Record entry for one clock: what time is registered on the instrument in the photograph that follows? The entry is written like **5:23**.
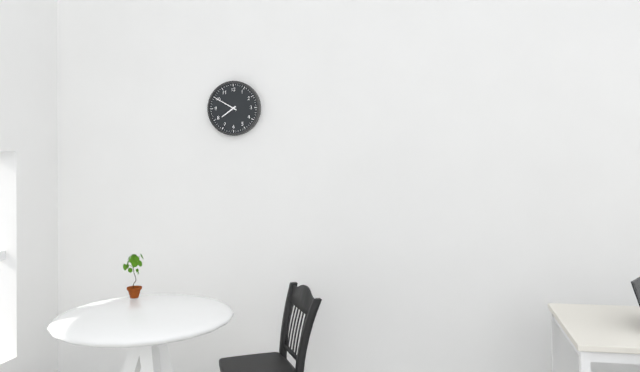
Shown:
**7:50**
